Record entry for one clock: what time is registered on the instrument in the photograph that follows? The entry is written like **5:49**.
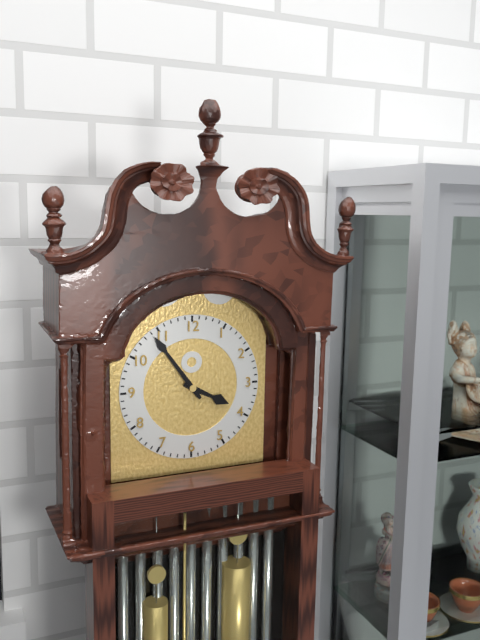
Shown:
**3:54**
